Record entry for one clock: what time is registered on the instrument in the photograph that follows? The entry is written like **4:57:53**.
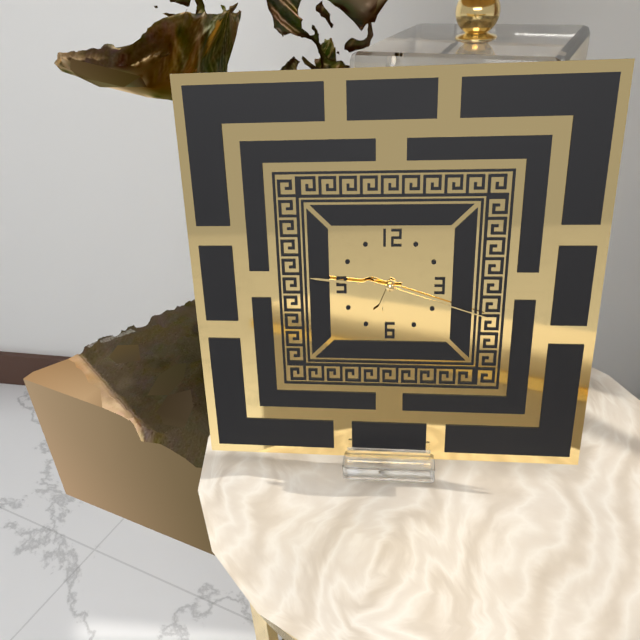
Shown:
**6:46:18**
